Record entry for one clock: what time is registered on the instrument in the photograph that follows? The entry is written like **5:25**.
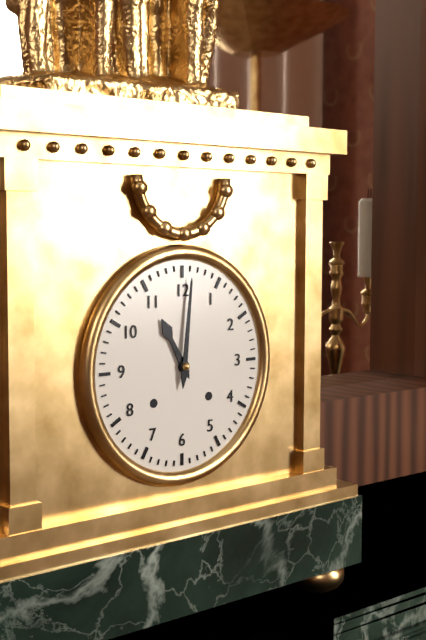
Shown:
**11:01**
